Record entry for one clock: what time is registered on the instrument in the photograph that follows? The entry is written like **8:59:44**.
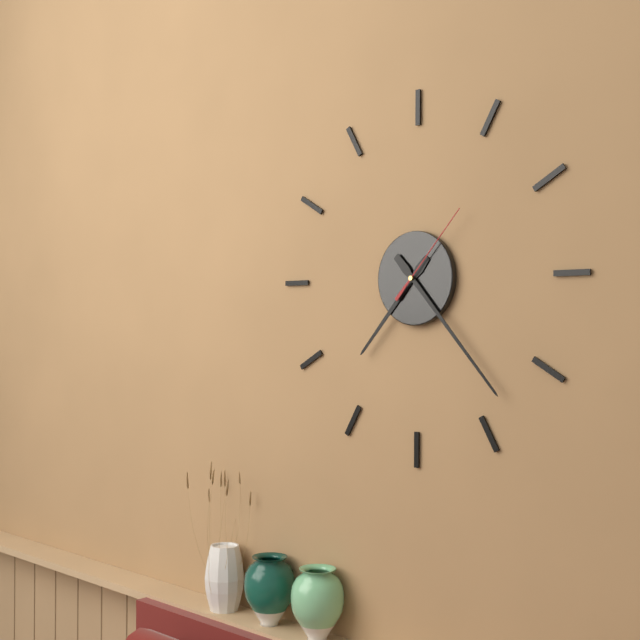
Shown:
**7:23:07**
